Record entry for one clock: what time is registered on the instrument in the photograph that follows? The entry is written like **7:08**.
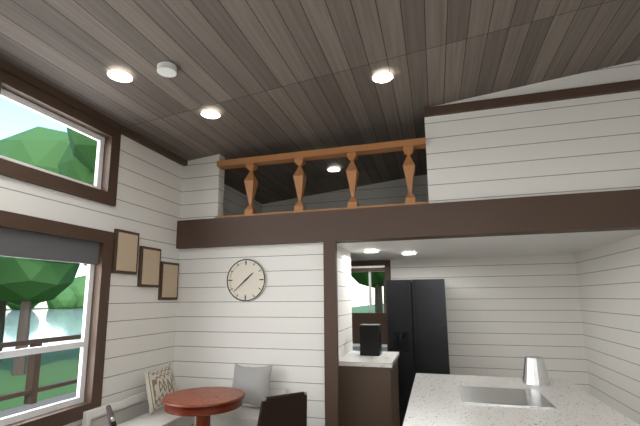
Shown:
**1:38**
